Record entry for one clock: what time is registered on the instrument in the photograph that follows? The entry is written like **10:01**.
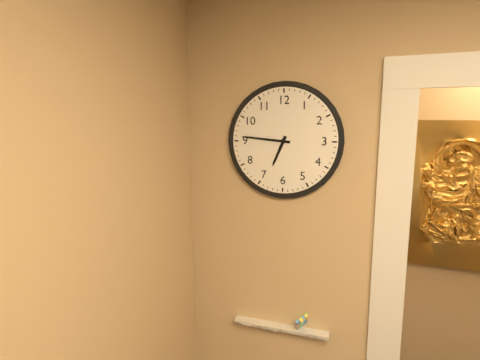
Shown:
**6:46**
